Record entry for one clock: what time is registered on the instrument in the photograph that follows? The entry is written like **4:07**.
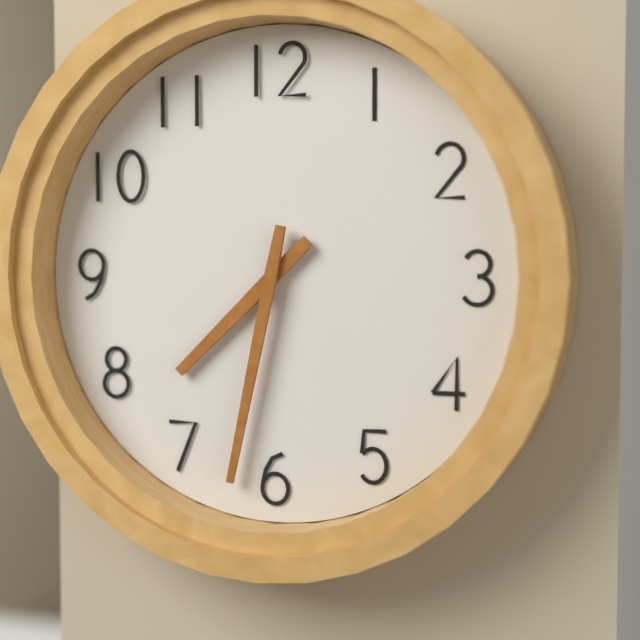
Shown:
**7:32**
